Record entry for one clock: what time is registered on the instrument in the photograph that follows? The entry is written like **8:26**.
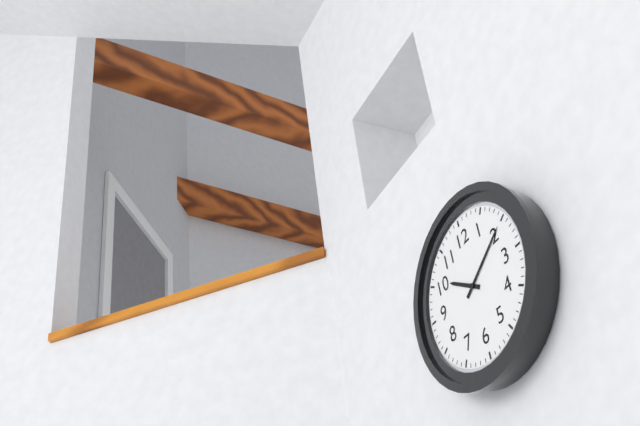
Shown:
**10:10**
